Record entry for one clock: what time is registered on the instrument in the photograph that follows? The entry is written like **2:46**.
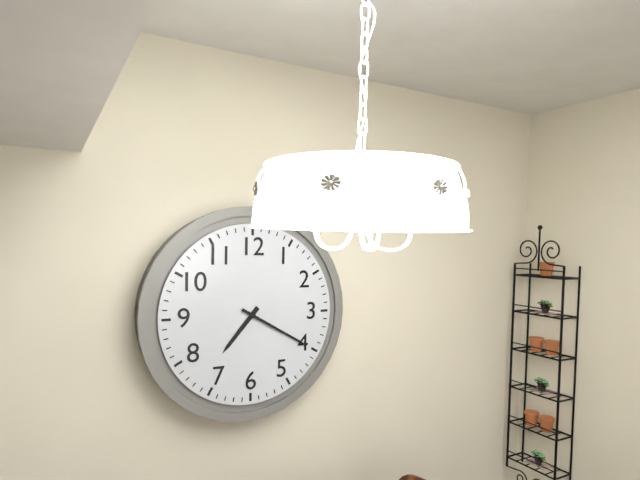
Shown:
**7:20**
